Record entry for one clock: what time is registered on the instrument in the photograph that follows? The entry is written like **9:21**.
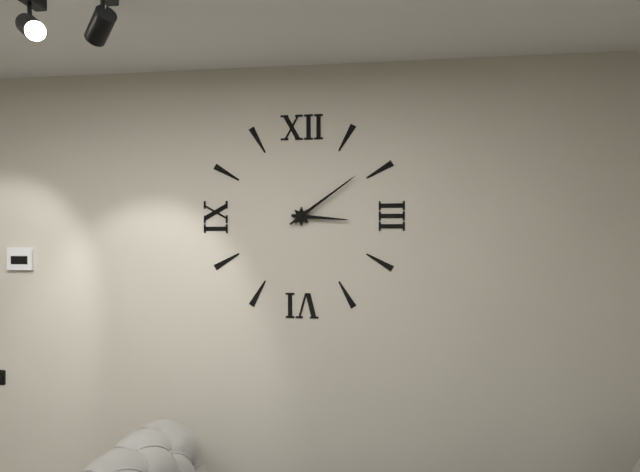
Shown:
**3:09**
